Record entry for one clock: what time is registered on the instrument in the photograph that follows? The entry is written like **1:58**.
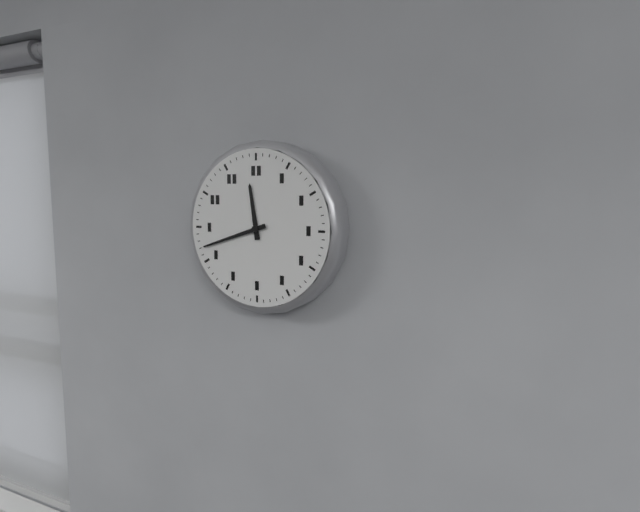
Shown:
**11:42**
